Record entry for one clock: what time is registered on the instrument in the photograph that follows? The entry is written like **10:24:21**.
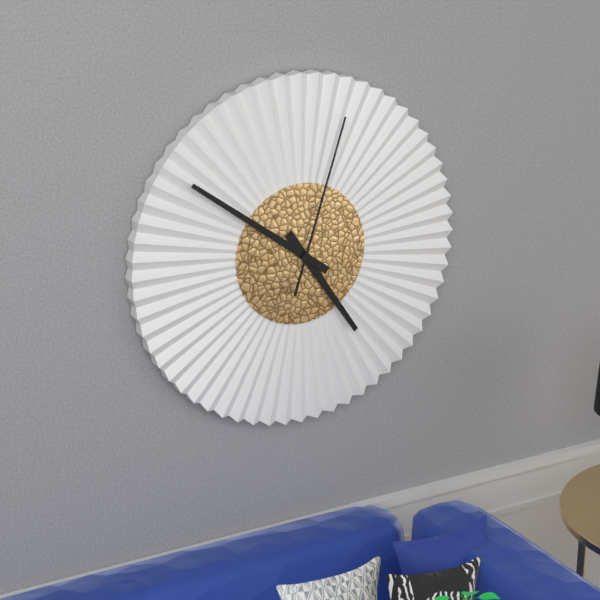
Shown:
**4:51:03**
